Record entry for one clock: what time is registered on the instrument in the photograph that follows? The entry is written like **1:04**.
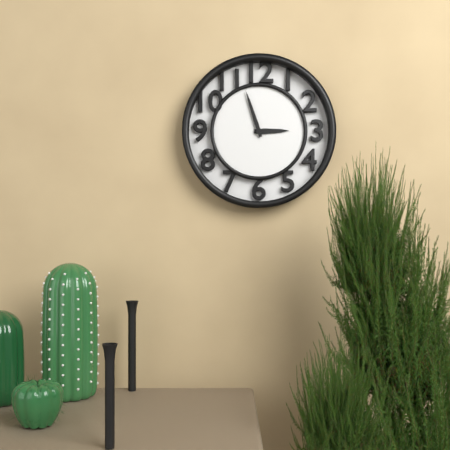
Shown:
**2:57**
